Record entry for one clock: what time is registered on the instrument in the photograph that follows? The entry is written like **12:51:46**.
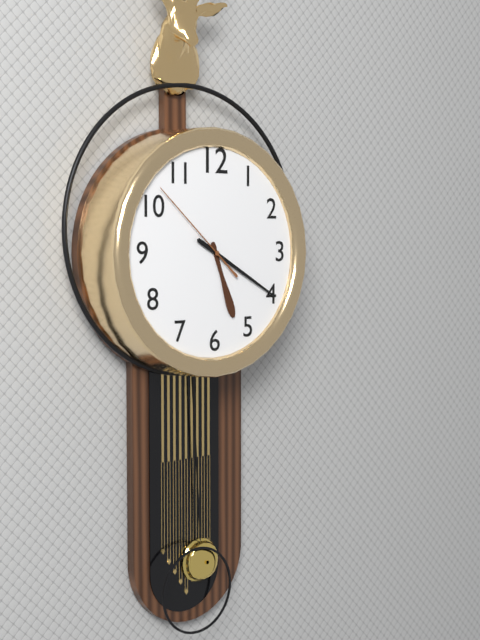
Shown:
**5:20:52**
